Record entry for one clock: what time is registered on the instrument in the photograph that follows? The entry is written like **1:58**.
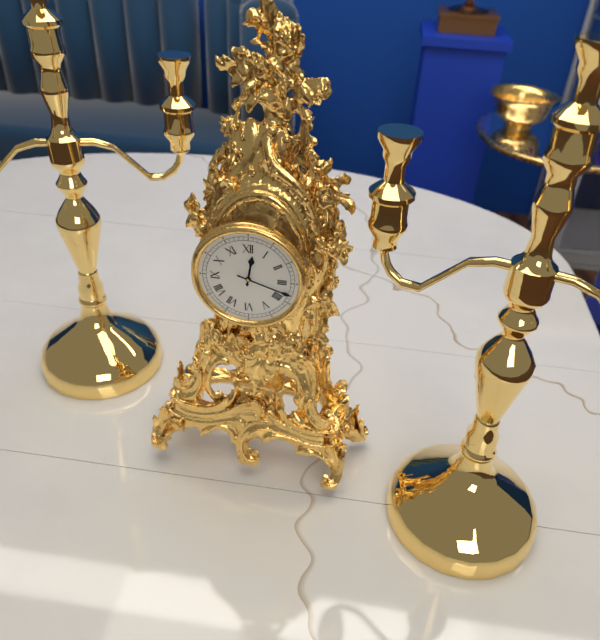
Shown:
**12:18**
